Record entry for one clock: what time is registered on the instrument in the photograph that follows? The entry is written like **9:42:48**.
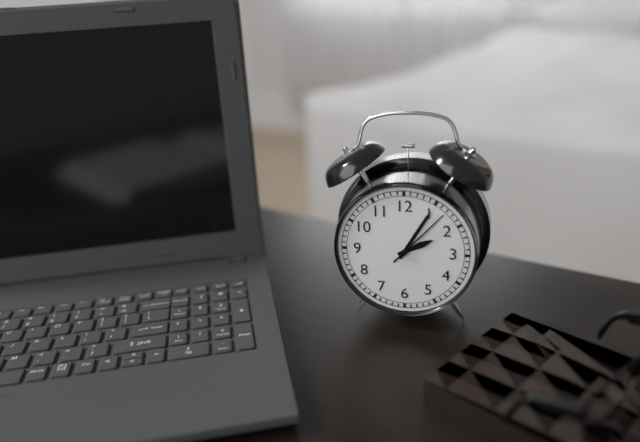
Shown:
**2:05:07**
